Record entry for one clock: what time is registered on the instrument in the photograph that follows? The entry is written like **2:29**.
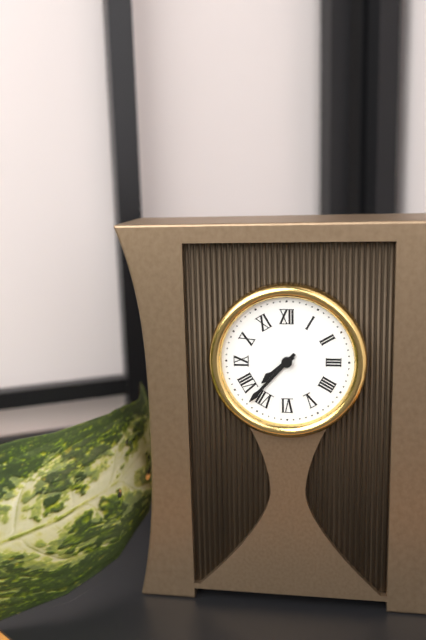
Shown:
**7:37**
